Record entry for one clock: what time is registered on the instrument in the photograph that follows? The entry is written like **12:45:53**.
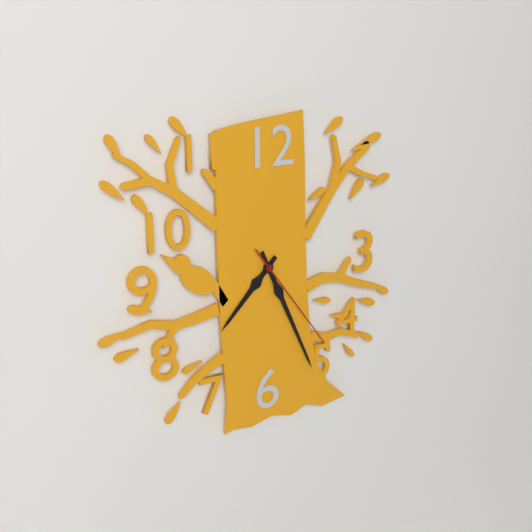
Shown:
**7:26:24**
